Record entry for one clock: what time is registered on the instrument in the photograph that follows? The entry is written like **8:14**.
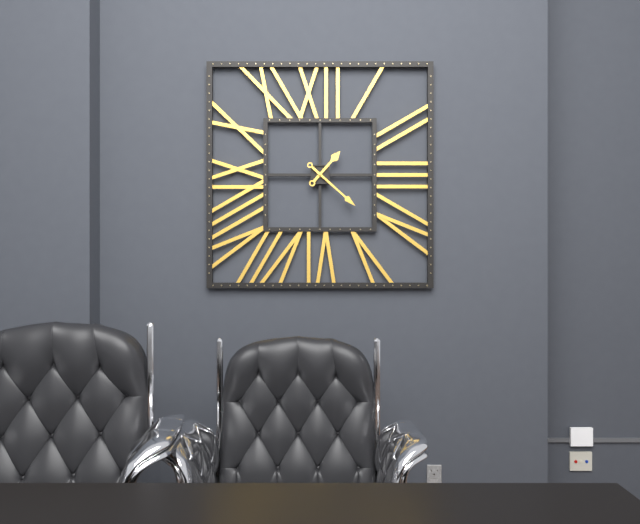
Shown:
**1:22**
